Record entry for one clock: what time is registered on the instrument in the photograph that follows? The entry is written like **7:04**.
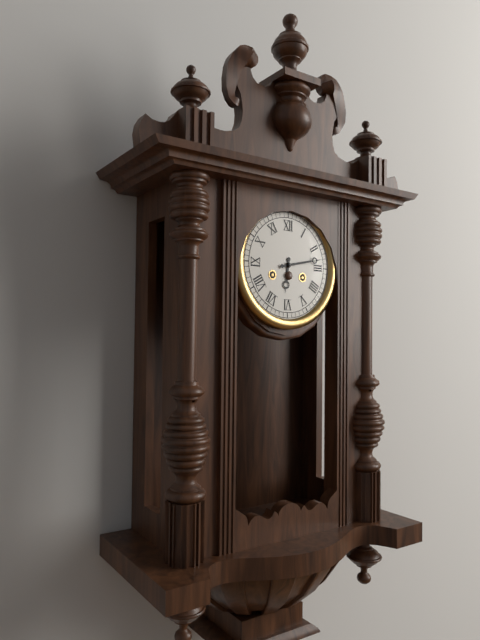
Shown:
**6:13**
